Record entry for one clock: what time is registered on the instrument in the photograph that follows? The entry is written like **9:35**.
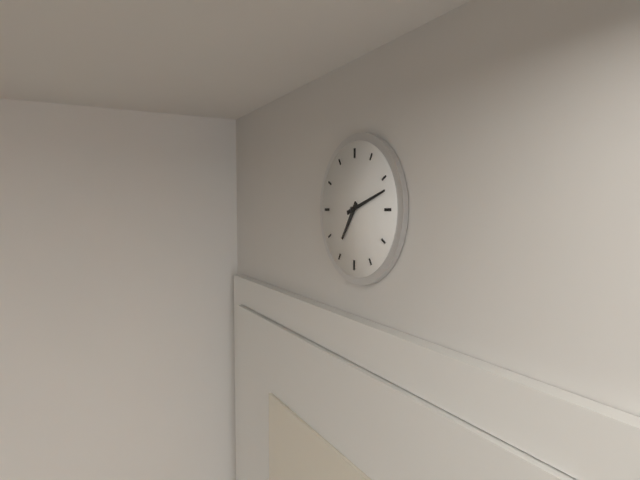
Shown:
**7:12**
